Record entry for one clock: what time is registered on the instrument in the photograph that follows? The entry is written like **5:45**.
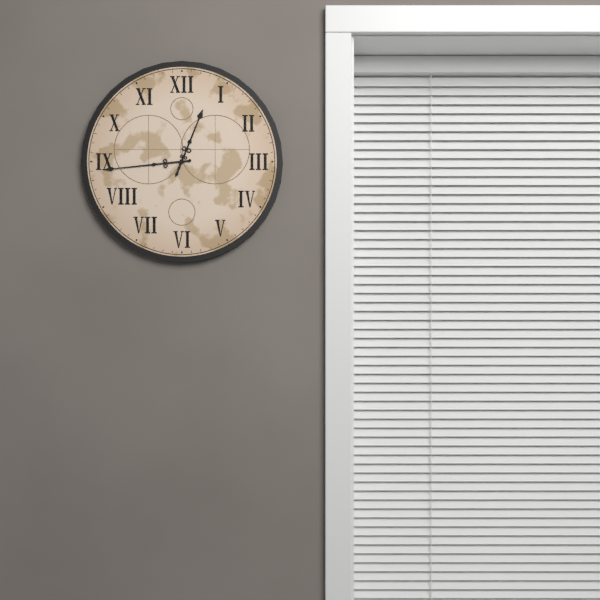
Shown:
**12:44**
